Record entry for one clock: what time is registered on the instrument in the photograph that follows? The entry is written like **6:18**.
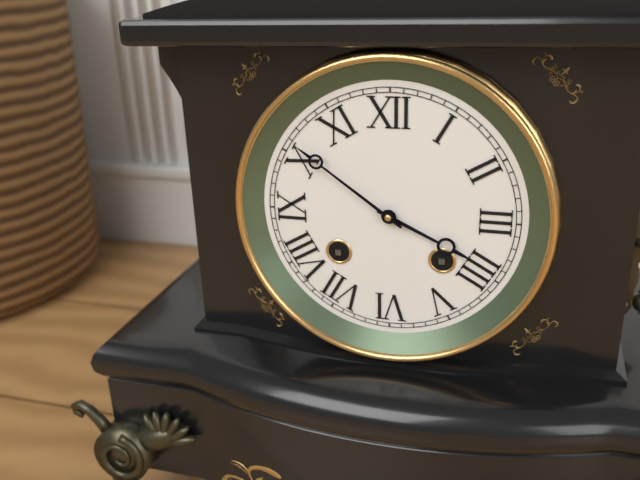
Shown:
**3:51**
